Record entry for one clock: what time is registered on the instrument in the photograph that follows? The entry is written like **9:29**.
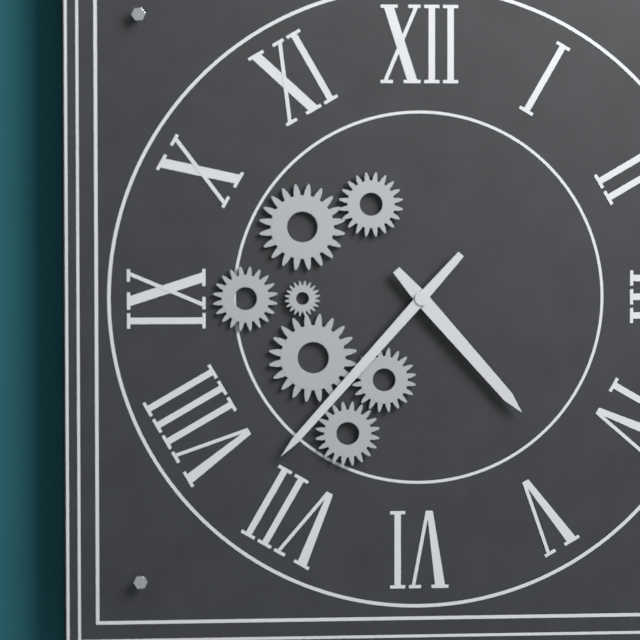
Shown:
**4:37**
